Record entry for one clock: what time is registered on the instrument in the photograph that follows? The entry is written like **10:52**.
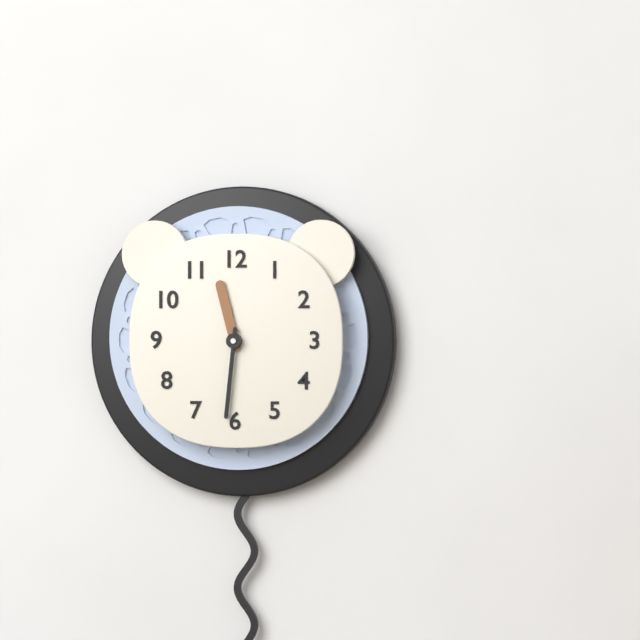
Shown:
**11:31**
